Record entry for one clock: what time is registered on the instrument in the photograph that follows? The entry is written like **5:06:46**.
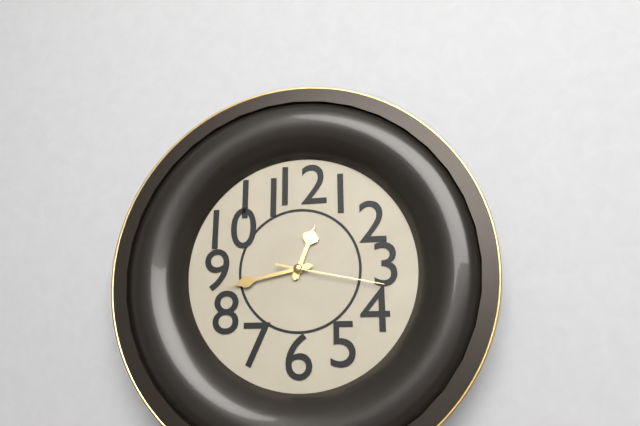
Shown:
**12:43:17**
